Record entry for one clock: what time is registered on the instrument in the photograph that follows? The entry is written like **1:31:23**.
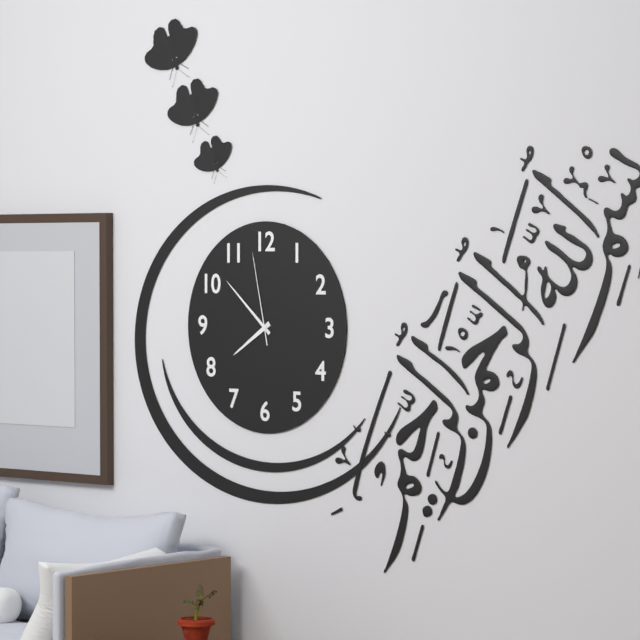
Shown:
**7:52:58**
